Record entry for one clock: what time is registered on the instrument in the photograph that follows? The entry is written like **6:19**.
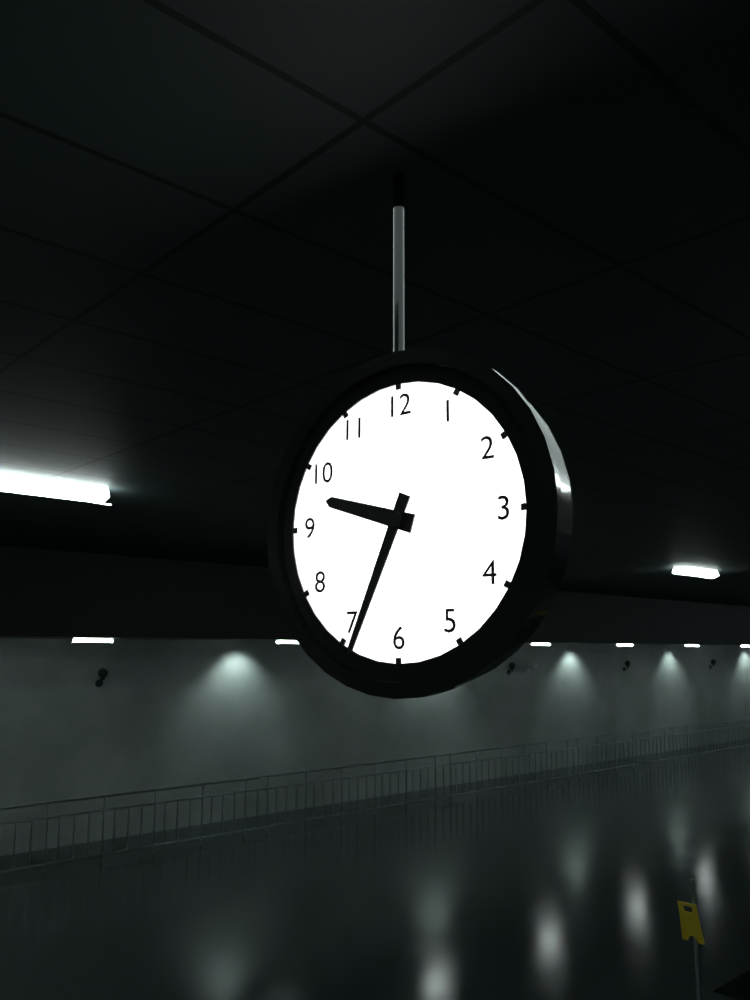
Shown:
**9:34**
